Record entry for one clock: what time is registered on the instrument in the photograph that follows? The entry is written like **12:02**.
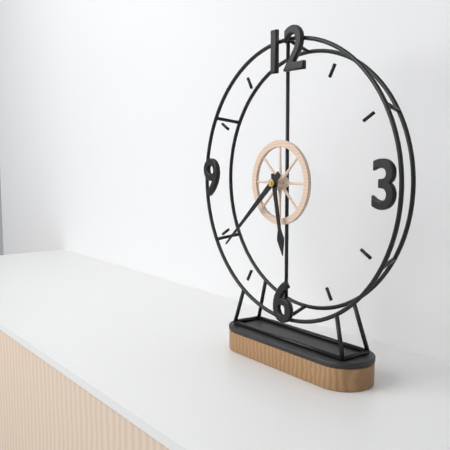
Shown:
**5:38**
